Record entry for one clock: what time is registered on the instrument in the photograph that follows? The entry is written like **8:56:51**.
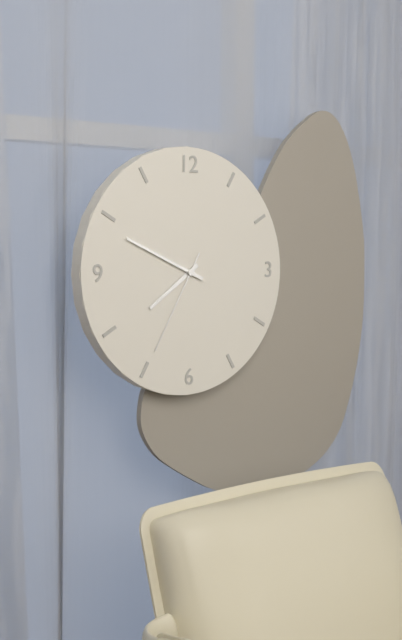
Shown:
**7:49:35**
